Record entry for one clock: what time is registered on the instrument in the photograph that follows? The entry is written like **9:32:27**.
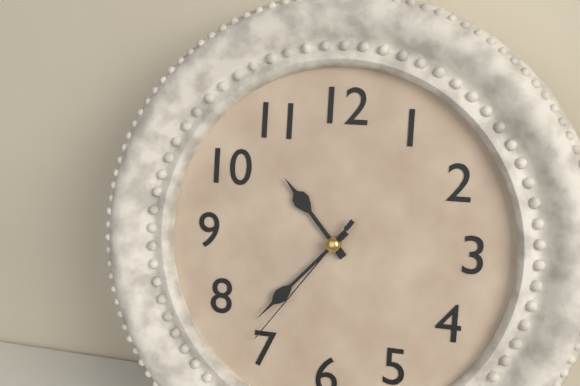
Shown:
**10:37:36**
